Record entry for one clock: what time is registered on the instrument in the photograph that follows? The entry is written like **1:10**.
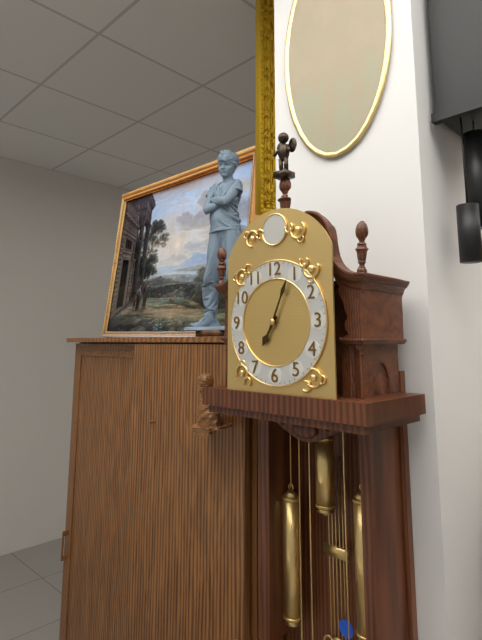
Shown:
**7:04**
